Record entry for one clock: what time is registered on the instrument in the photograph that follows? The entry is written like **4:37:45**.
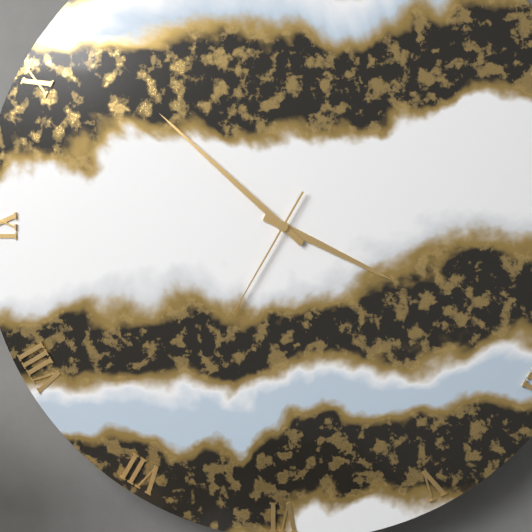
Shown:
**3:52:35**
